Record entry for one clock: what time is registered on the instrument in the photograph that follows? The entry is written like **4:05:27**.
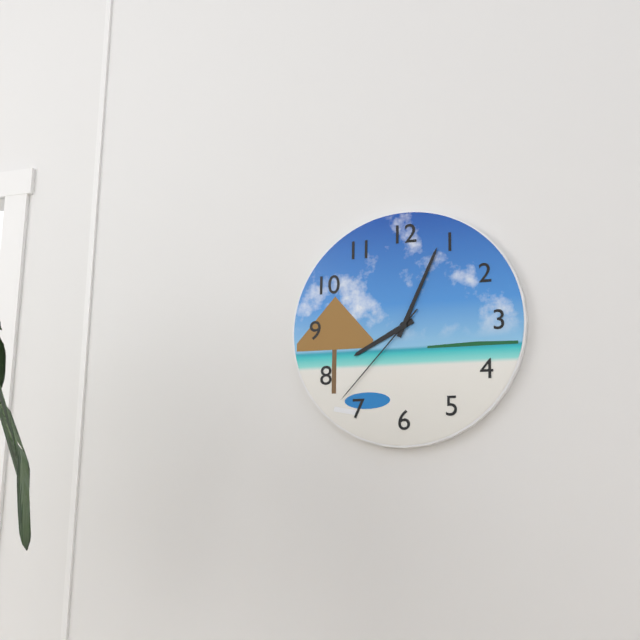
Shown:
**8:04:37**
